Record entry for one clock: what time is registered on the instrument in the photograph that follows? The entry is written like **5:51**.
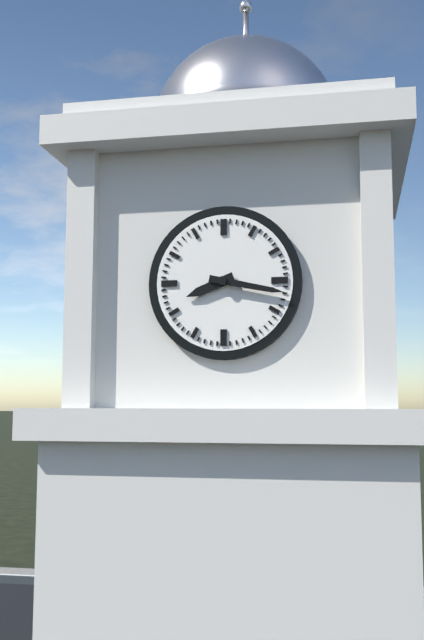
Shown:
**8:17**
